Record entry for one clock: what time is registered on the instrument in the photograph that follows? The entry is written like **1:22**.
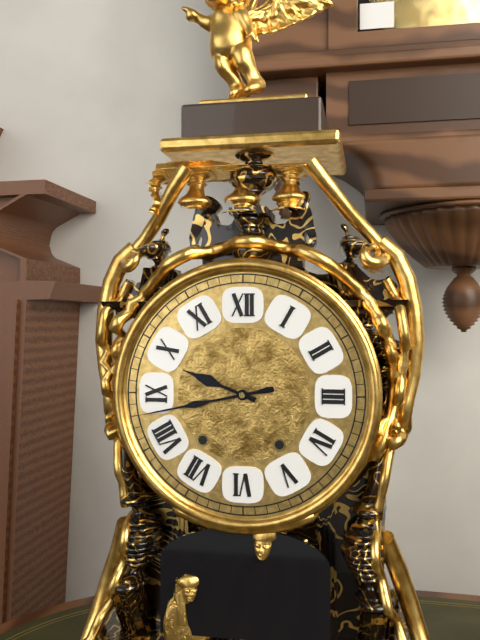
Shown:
**9:43**
